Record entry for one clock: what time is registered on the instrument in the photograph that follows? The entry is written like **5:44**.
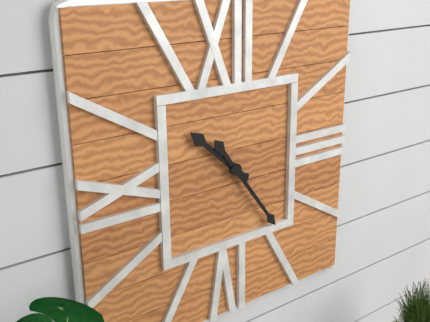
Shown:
**10:24**
